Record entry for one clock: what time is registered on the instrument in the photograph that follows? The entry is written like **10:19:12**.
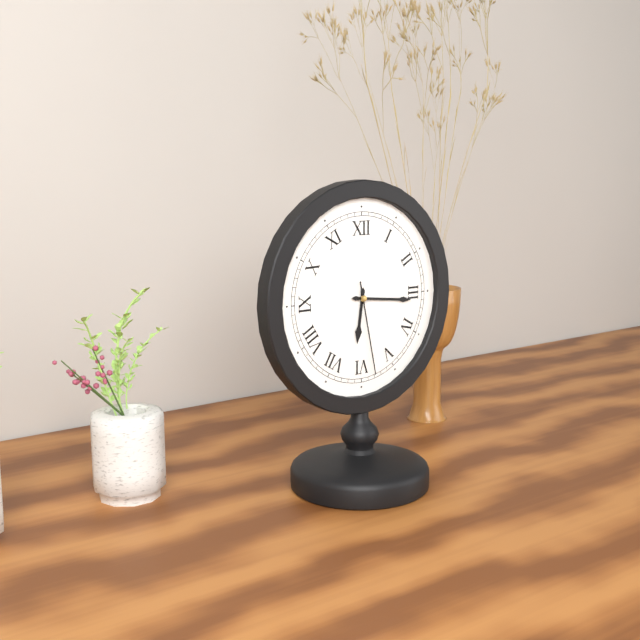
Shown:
**6:16:28**
